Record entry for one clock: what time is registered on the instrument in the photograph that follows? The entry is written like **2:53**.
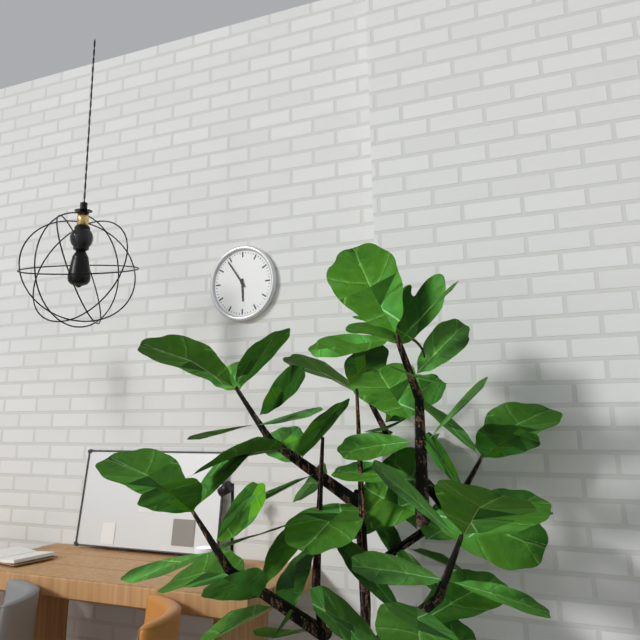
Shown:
**5:54**
